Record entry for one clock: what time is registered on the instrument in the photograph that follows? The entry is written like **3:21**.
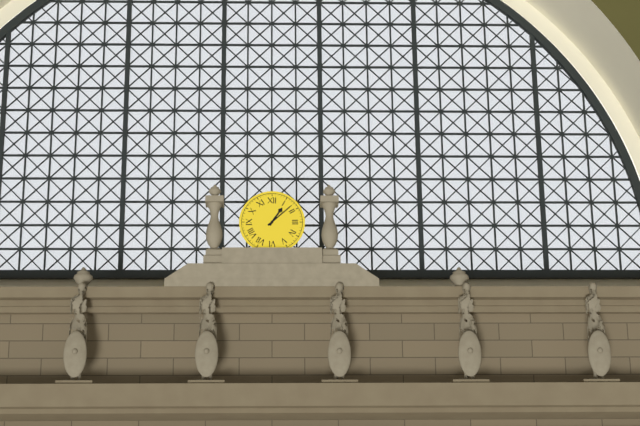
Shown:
**1:08**
